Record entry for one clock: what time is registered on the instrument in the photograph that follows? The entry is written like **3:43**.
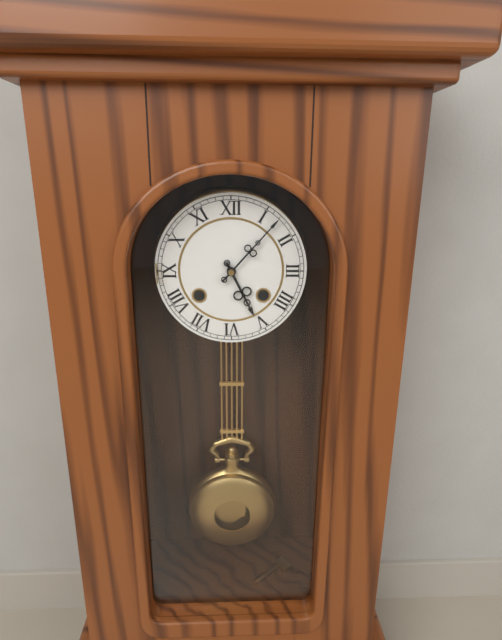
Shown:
**5:07**
